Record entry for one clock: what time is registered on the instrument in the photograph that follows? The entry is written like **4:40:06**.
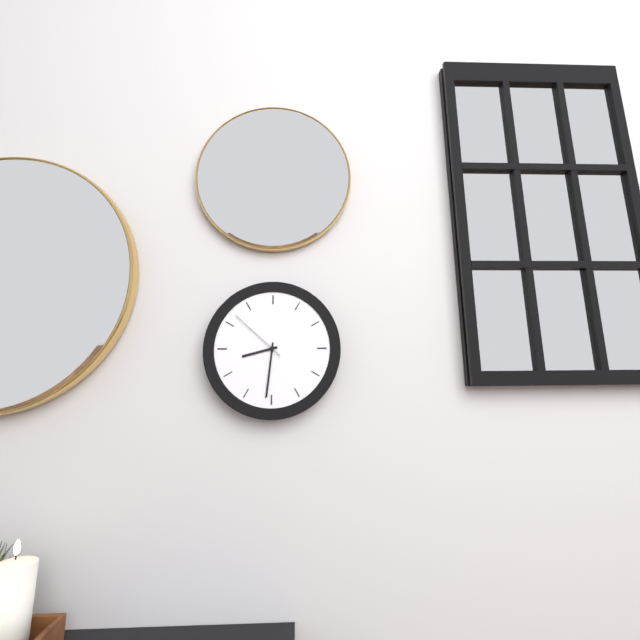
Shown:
**8:31:52**
